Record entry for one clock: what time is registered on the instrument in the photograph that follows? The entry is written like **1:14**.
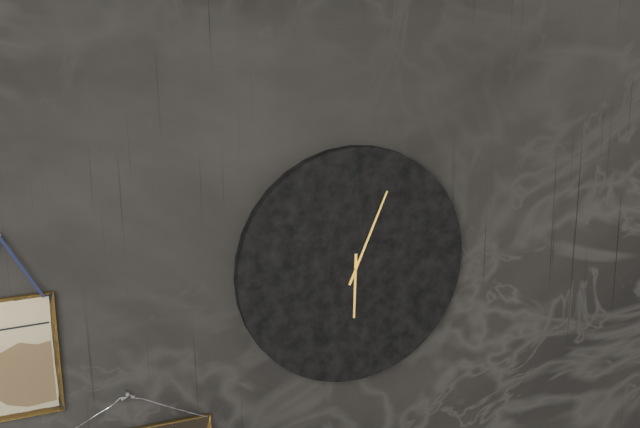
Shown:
**6:04**
